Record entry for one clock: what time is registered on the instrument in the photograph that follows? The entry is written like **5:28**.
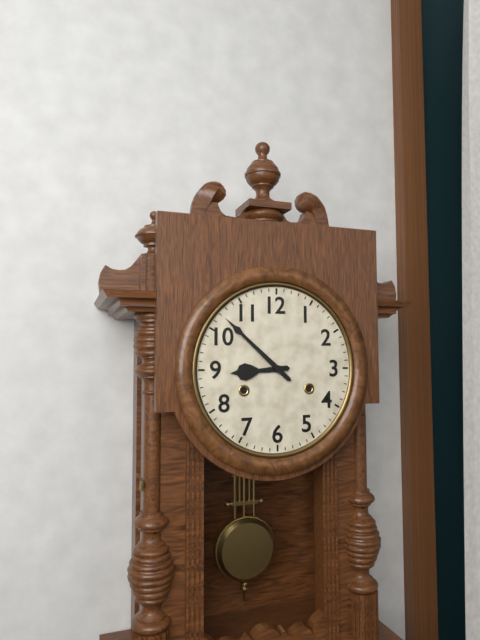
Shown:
**8:52**
